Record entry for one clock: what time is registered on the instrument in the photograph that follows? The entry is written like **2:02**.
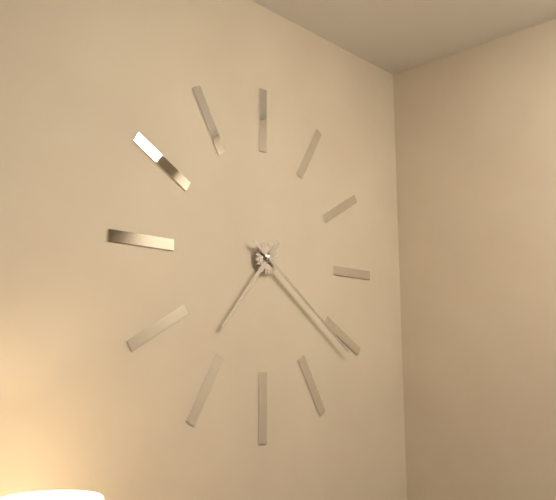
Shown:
**7:21**
